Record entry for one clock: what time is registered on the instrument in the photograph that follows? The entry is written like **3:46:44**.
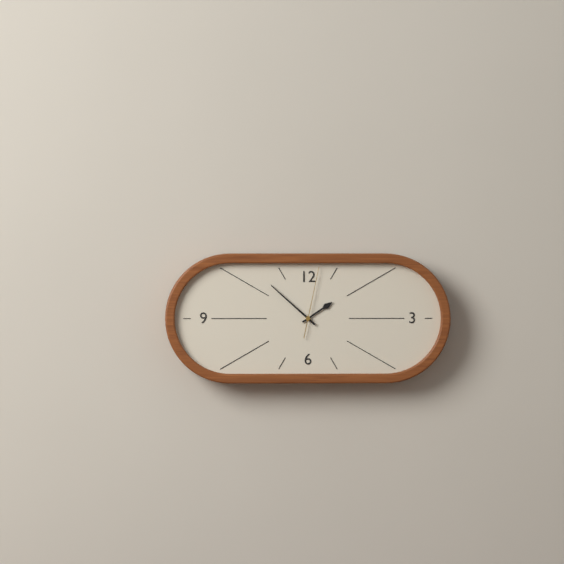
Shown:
**1:52:02**
